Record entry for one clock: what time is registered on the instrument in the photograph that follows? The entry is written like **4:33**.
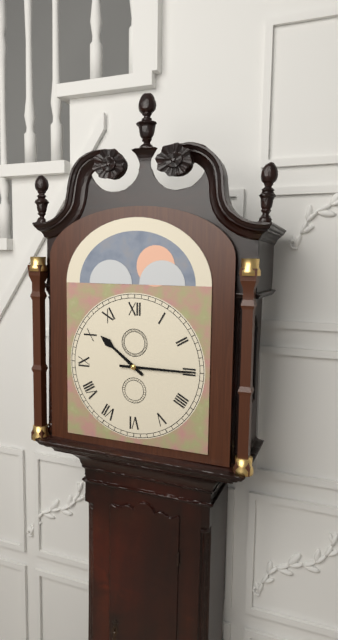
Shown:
**10:15**
